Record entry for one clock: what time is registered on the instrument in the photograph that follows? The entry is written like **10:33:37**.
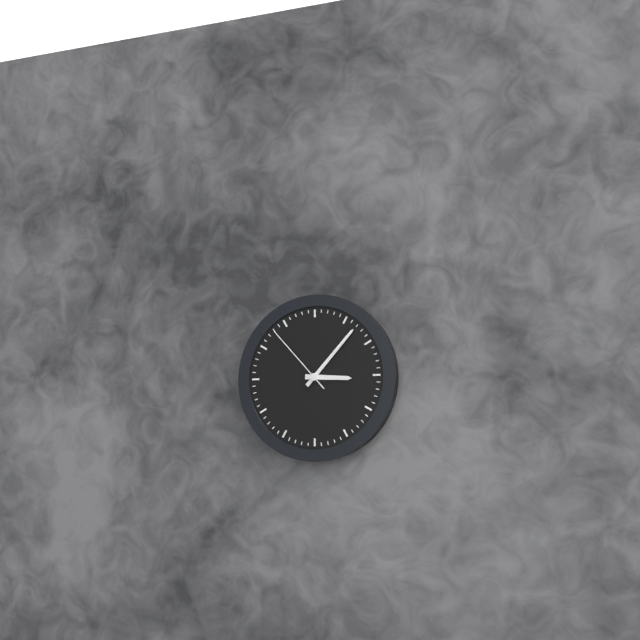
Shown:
**3:07:53**
